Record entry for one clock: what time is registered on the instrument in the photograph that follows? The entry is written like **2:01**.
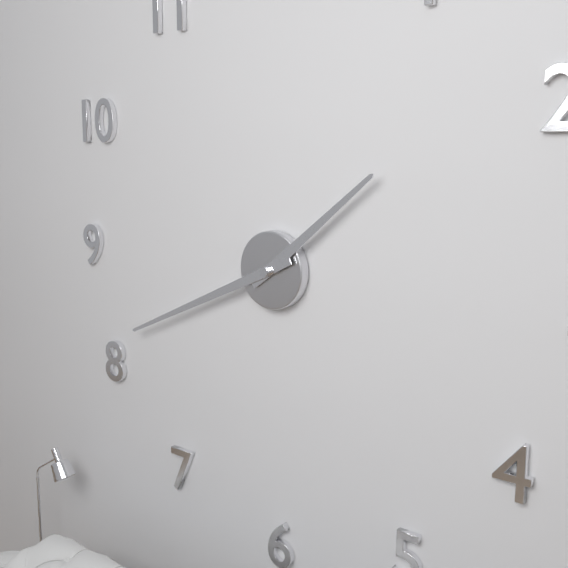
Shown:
**1:41**
